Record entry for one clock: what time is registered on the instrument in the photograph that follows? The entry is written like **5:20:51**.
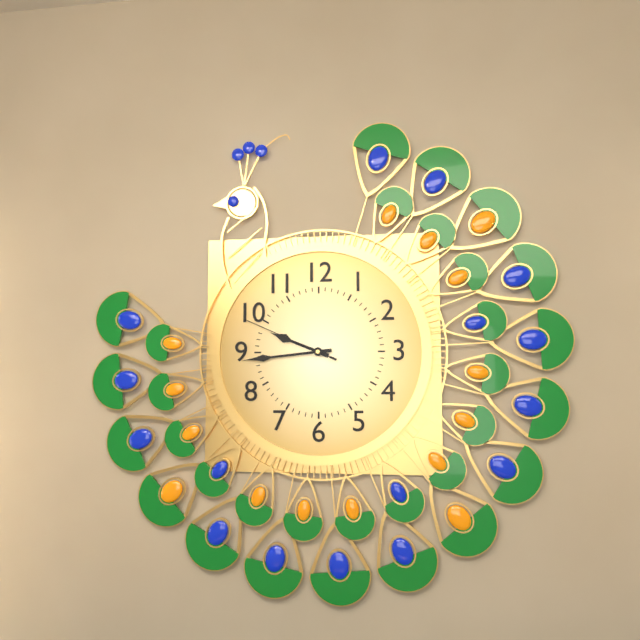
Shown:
**9:44:49**
